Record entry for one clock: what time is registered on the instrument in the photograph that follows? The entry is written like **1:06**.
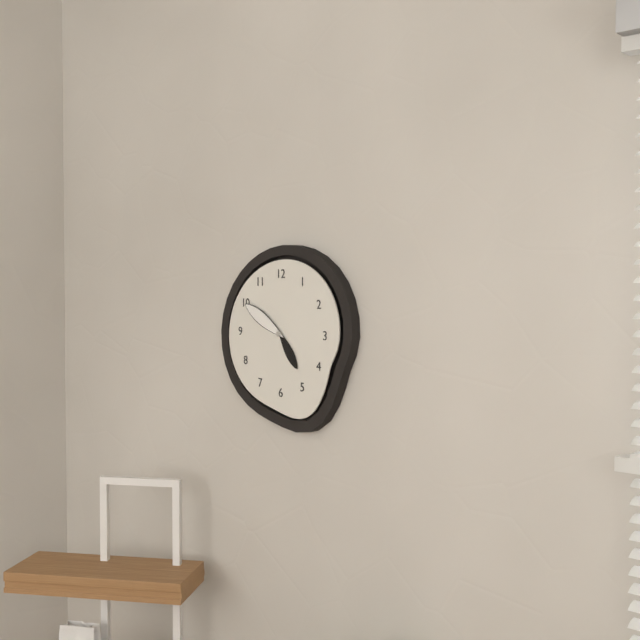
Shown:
**4:50**
